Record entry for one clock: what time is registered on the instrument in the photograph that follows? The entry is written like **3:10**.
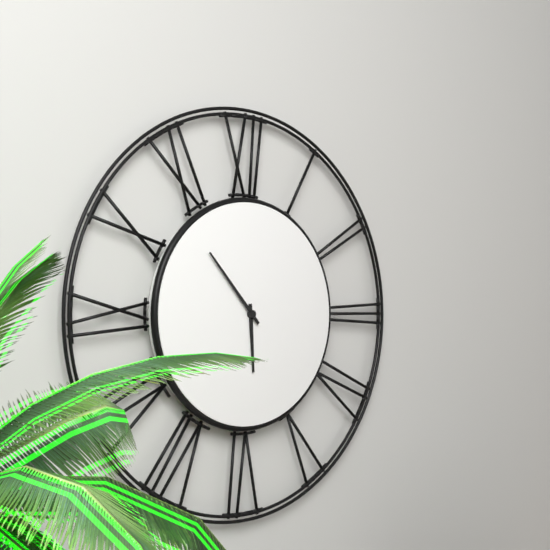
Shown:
**5:53**
